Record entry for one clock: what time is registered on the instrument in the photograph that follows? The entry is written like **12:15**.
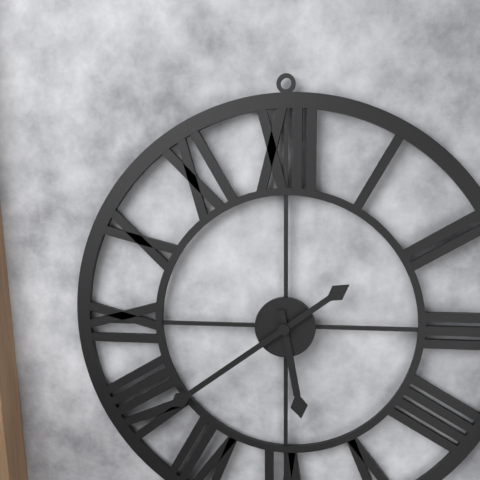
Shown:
**5:39**
